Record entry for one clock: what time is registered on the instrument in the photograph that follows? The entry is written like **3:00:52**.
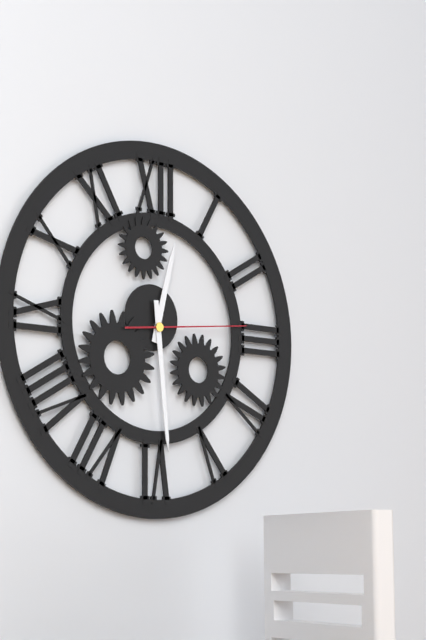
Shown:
**12:29:14**
